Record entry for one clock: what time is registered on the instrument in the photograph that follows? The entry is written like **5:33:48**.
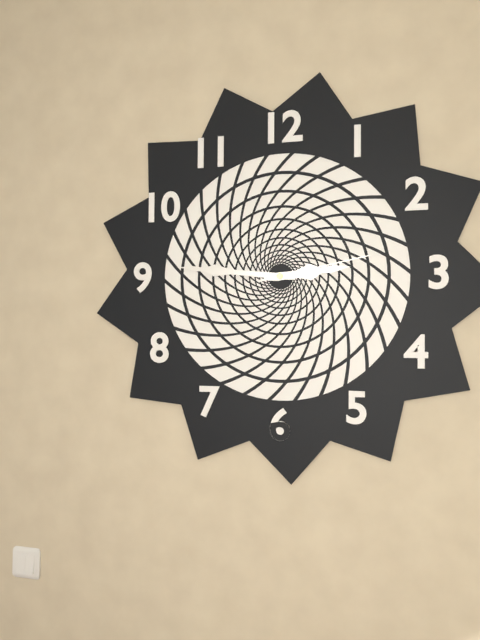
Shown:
**2:46:13**
